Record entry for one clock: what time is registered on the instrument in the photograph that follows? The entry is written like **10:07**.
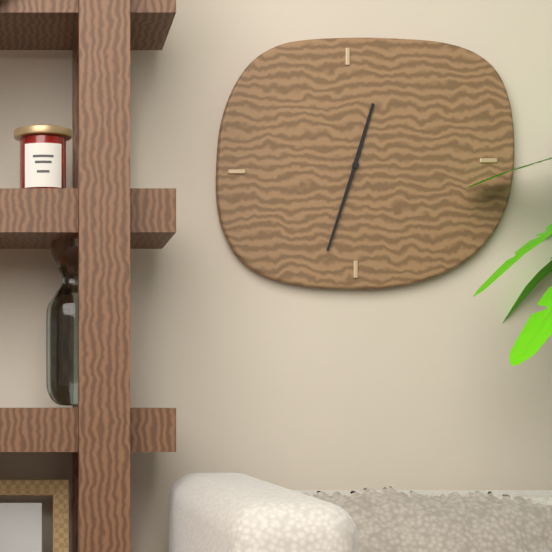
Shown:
**12:33**
